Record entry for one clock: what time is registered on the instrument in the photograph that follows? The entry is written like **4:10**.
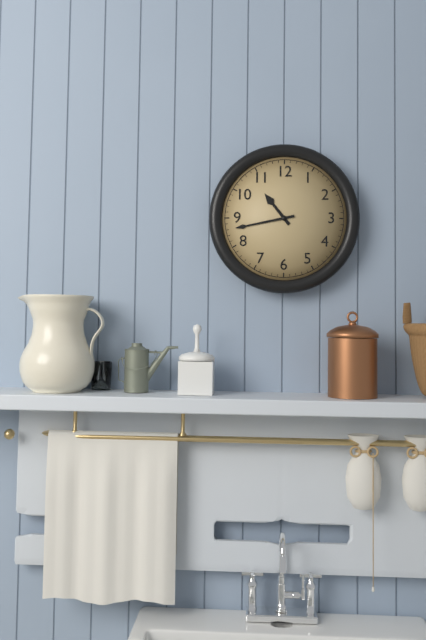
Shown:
**10:43**
